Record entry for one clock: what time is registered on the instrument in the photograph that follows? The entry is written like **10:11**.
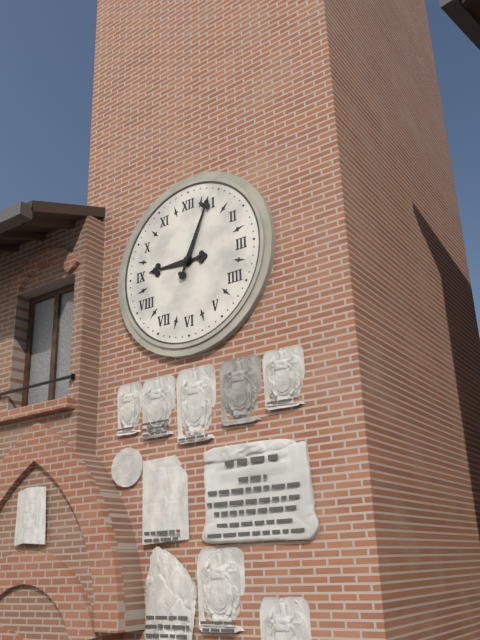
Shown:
**9:04**
